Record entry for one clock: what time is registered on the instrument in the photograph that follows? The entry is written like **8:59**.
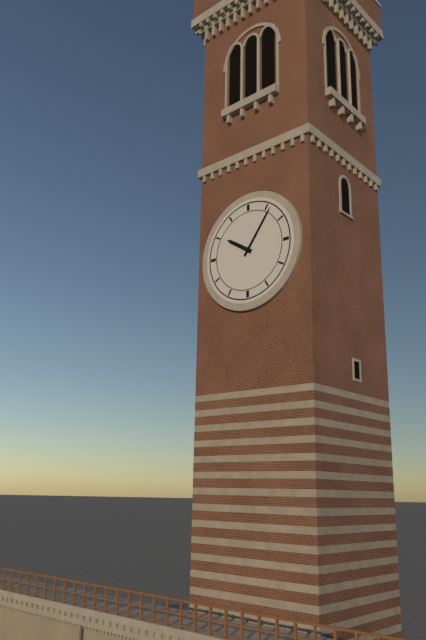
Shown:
**10:06**
